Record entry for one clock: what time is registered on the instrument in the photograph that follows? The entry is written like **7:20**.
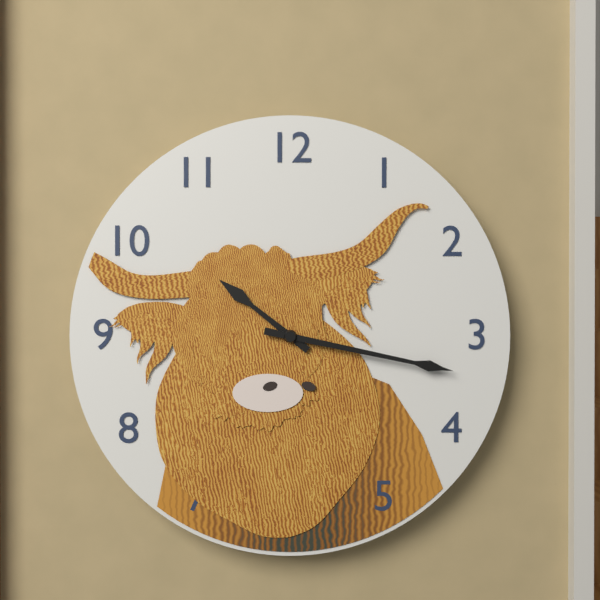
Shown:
**10:17**
